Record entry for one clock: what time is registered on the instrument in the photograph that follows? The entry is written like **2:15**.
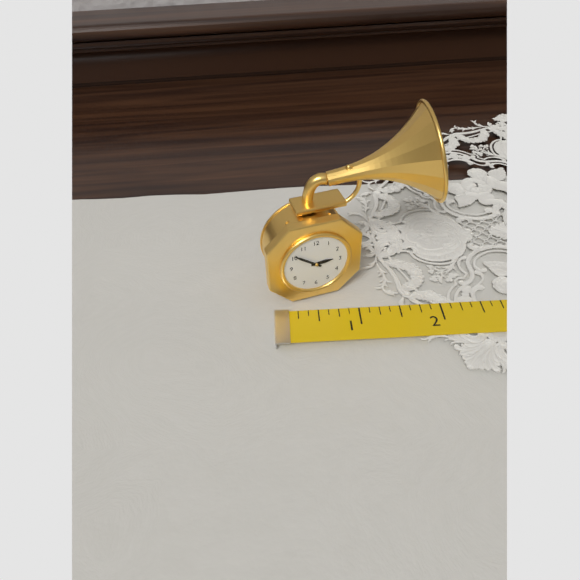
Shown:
**2:51**
